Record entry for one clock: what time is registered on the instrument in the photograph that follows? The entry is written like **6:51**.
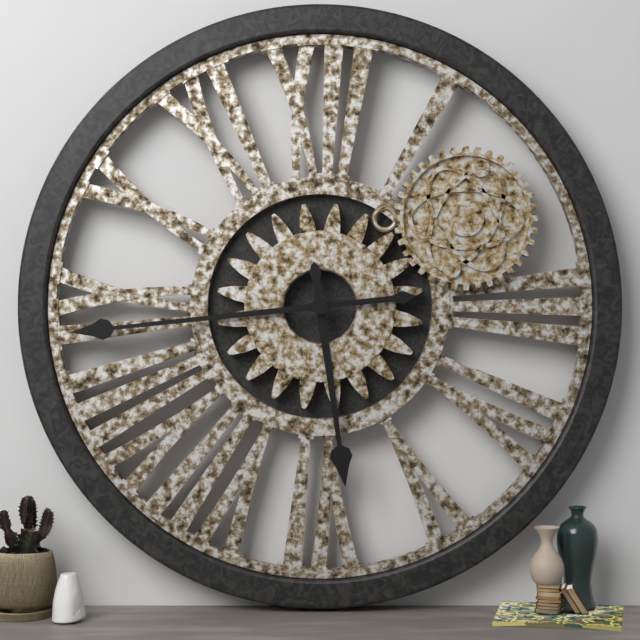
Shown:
**5:44**
